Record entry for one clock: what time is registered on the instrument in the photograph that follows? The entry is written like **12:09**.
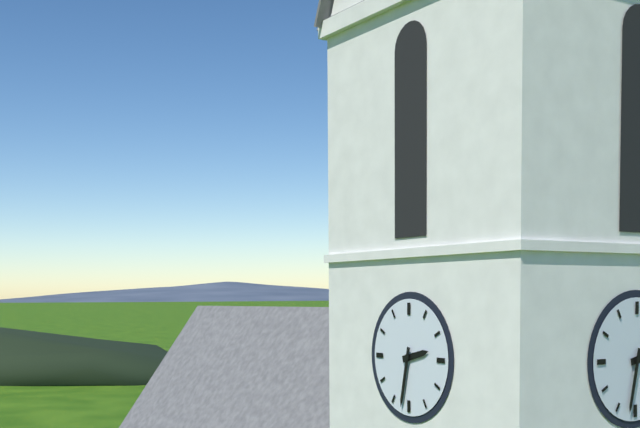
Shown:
**2:32**
